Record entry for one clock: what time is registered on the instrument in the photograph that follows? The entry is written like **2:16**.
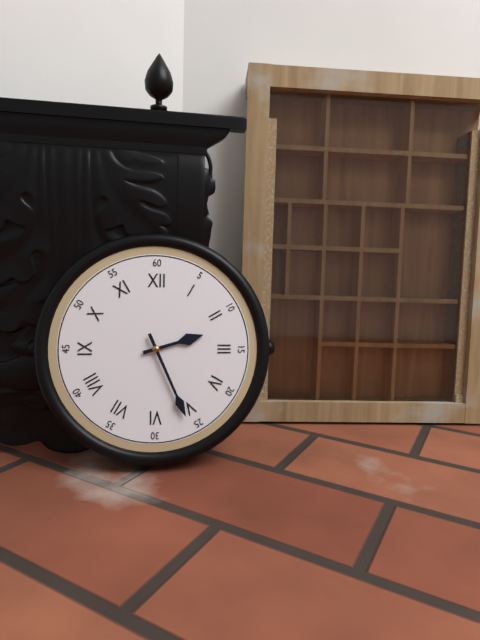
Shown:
**2:26**
